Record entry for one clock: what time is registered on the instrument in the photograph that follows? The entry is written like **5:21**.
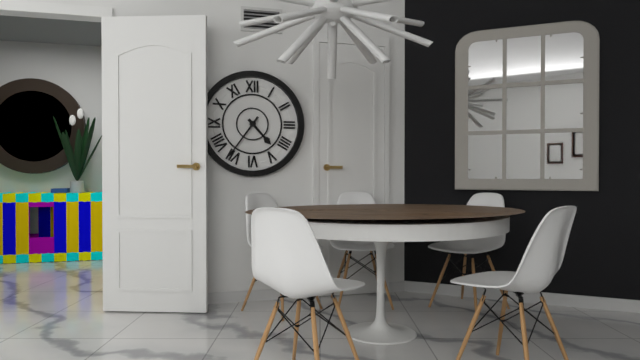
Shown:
**4:36**
